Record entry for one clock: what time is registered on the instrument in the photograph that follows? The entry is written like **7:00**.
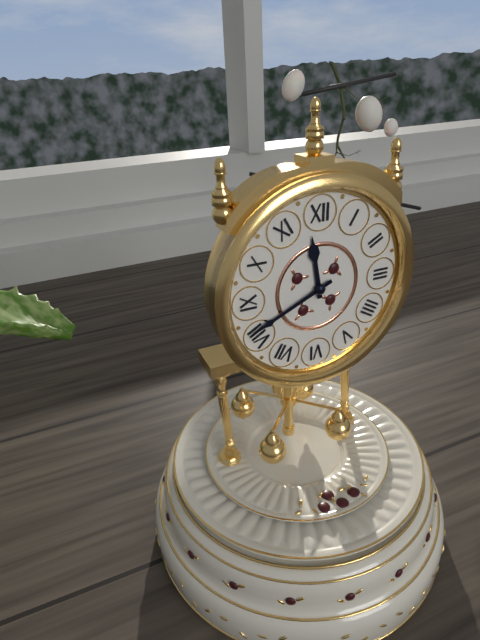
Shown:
**11:41**
